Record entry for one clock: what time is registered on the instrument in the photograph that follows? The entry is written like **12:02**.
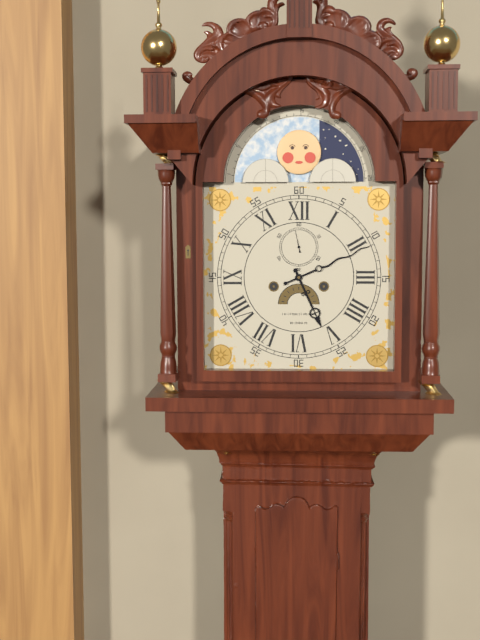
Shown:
**5:11**
